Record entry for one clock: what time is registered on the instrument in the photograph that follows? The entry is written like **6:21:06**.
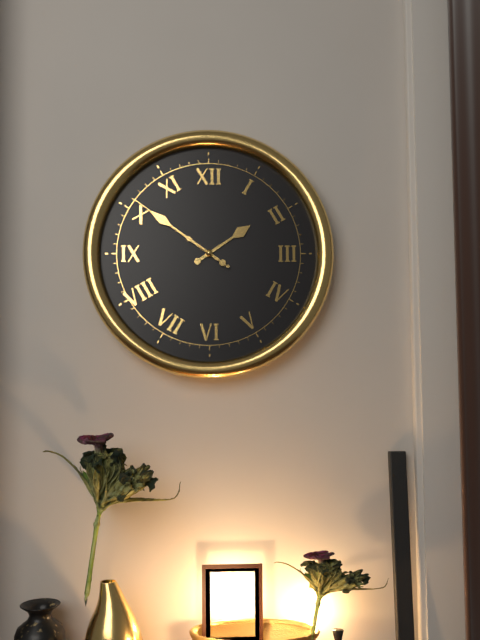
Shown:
**1:51:51**
